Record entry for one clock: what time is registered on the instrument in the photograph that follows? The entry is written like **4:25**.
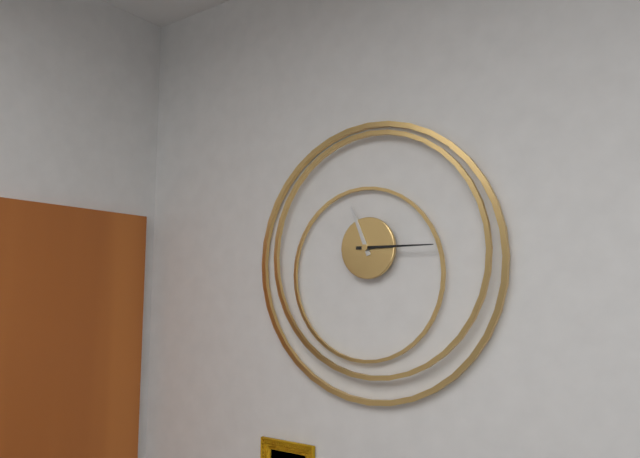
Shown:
**11:15**
